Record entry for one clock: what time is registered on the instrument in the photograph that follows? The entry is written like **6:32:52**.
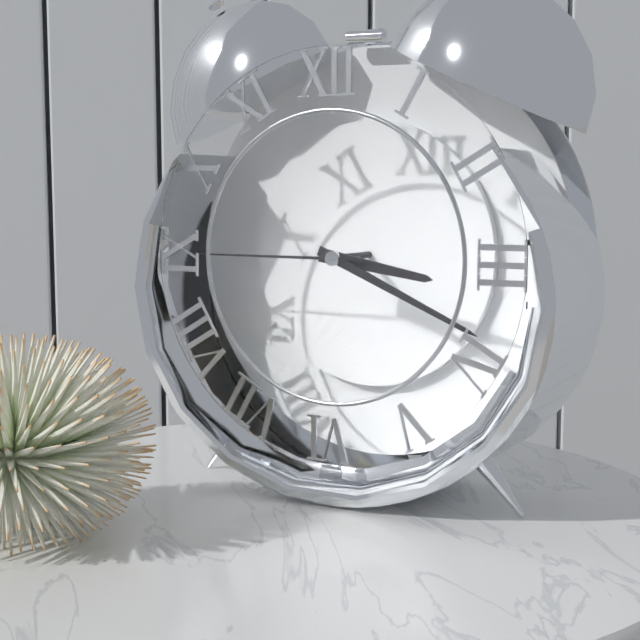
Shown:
**3:19:45**
